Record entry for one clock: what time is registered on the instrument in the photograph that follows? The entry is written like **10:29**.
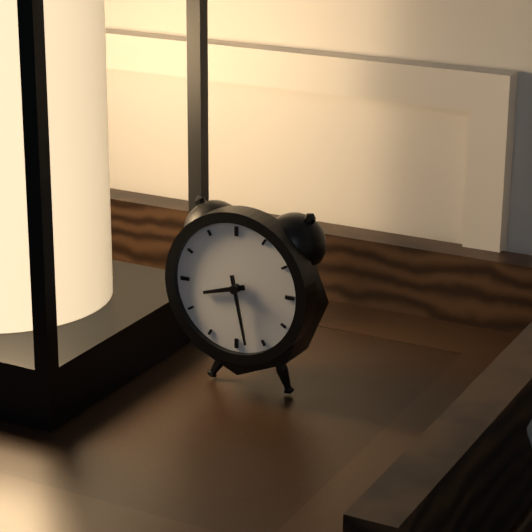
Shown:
**8:28**
